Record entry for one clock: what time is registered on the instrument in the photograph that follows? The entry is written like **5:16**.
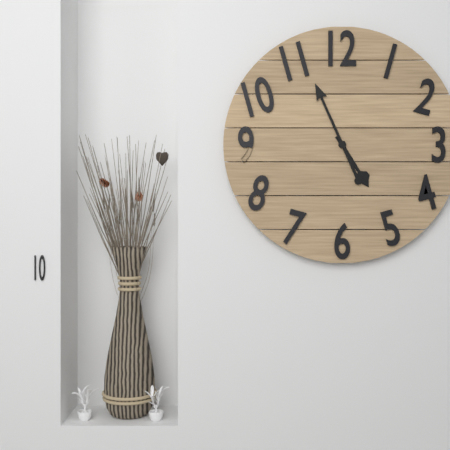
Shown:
**4:56**
